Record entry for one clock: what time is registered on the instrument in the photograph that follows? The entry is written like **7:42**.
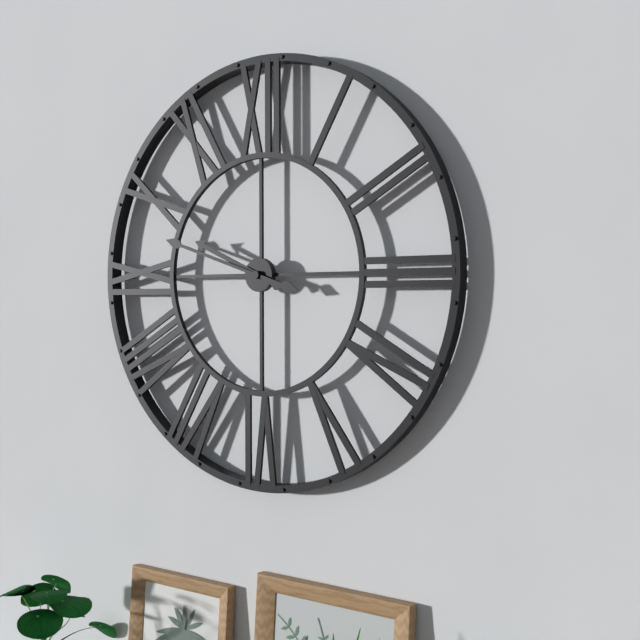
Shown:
**9:48**
